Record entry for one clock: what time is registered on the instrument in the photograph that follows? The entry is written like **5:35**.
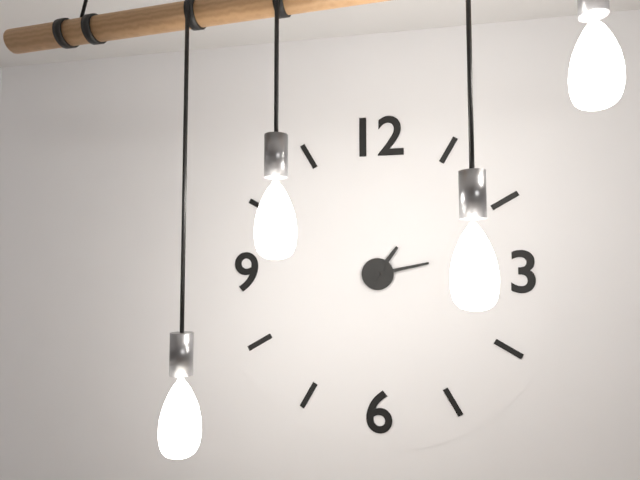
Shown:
**1:13**
